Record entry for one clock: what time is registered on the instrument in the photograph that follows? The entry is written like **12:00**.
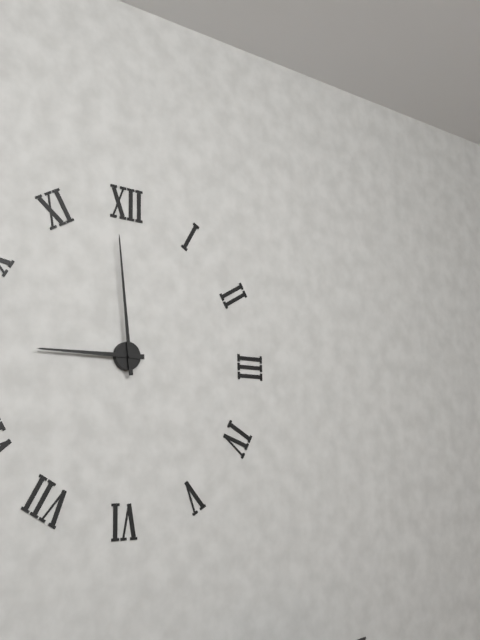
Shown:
**8:59**
